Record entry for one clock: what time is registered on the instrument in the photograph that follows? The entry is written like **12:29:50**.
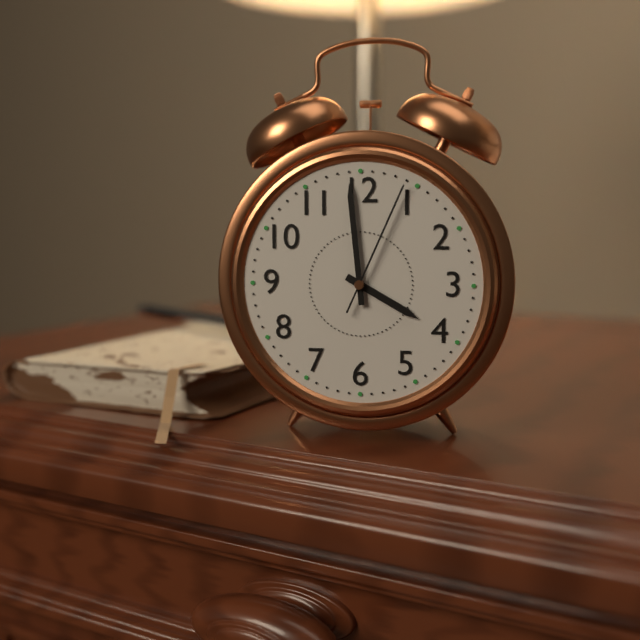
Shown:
**3:59:04**
